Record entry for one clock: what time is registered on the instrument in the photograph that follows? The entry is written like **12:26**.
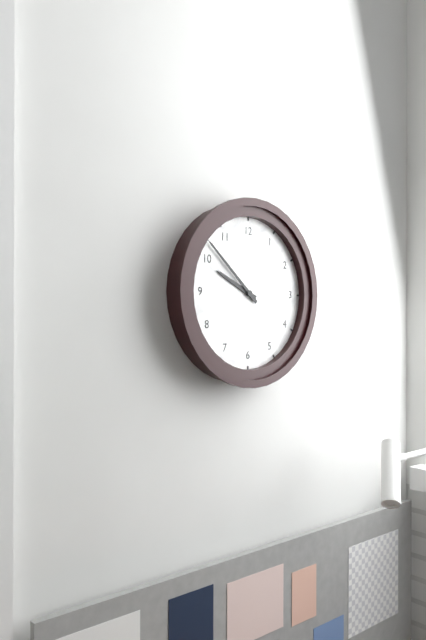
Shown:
**9:52**
